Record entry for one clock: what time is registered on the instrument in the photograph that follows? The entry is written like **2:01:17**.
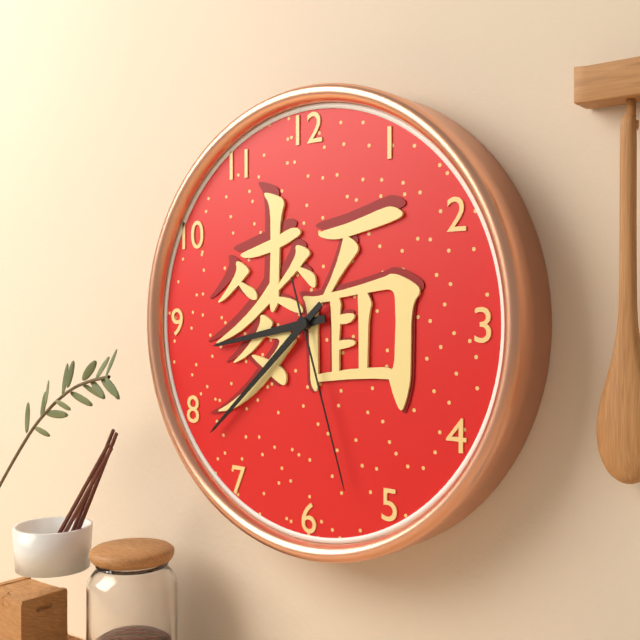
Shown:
**8:38:27**
